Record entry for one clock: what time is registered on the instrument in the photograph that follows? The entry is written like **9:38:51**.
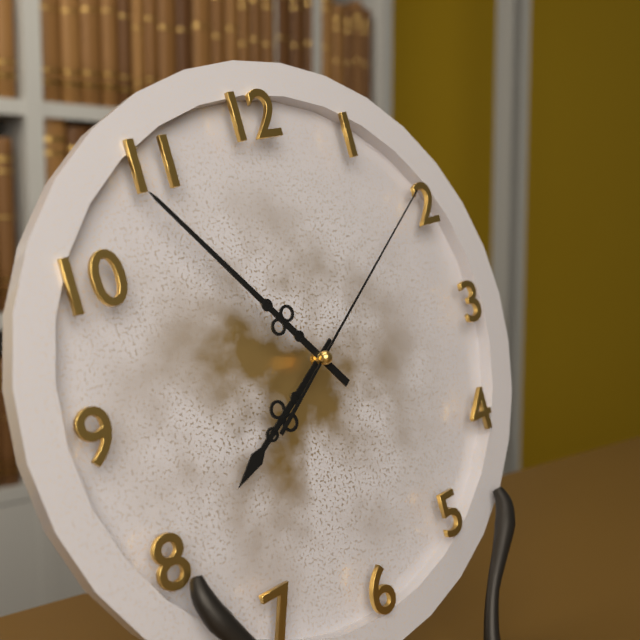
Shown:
**7:54:09**
